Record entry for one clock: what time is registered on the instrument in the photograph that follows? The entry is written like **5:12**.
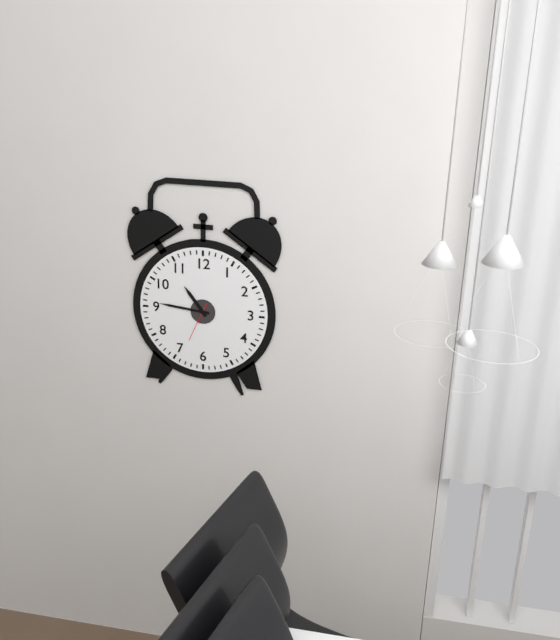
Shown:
**10:46**
